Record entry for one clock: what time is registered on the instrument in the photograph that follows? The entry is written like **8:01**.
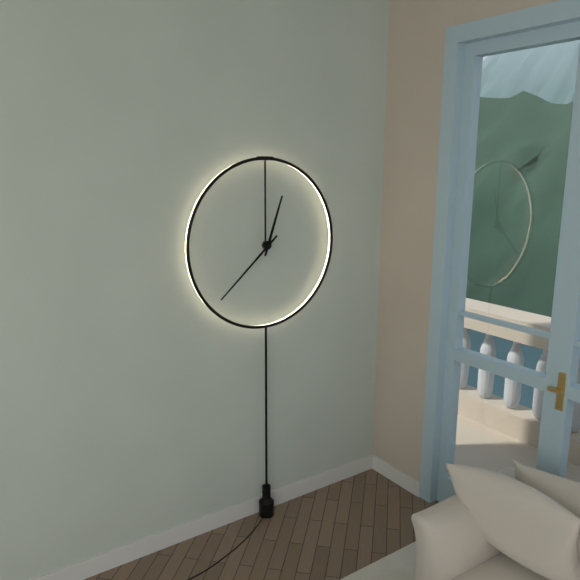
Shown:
**12:38**
